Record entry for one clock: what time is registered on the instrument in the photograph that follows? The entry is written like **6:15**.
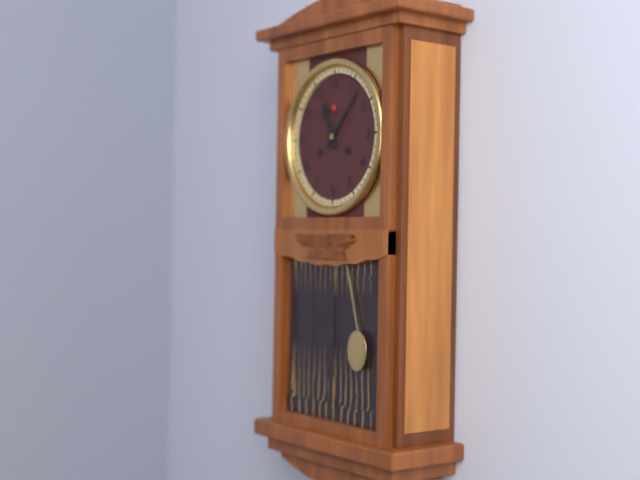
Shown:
**11:07**
